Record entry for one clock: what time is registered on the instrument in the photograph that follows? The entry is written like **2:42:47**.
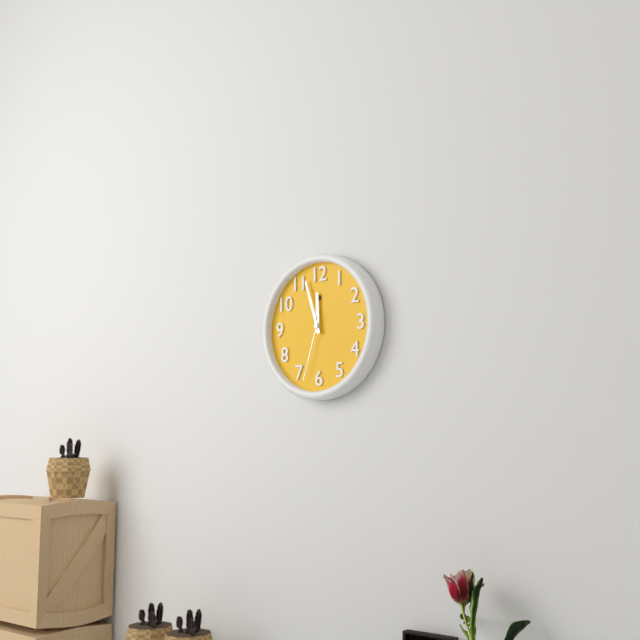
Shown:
**11:57:33**
